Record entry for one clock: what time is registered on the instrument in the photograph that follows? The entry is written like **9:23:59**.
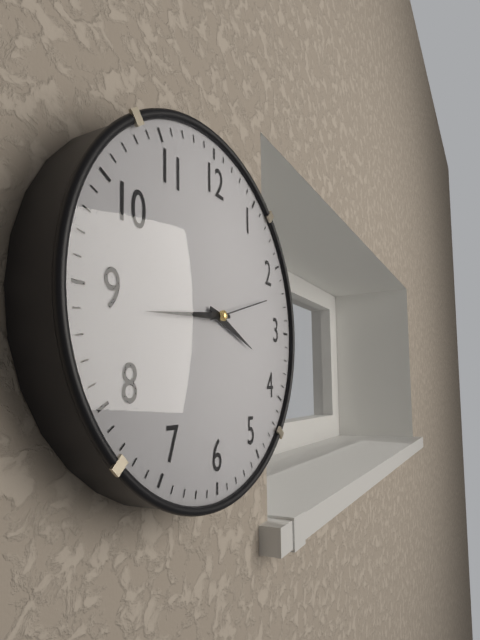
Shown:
**3:44:12**
